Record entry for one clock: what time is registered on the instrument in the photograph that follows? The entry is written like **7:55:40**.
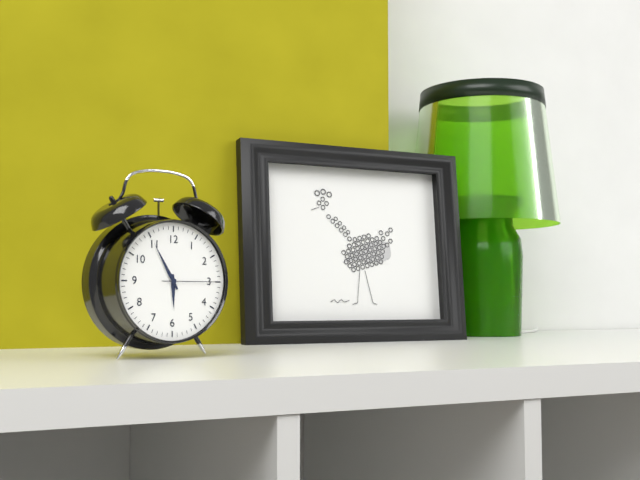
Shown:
**5:55:15**
